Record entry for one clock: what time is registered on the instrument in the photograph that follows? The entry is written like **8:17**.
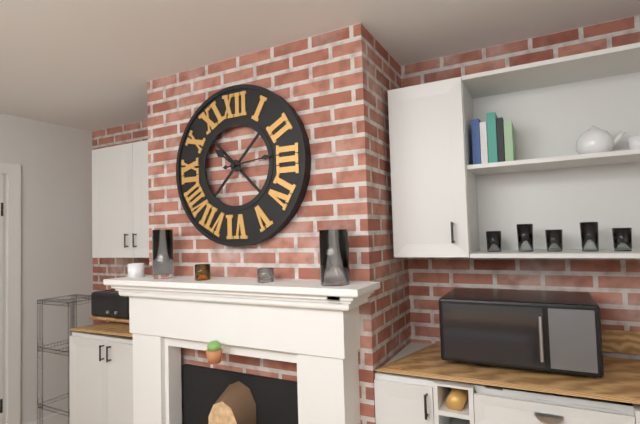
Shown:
**10:14**
